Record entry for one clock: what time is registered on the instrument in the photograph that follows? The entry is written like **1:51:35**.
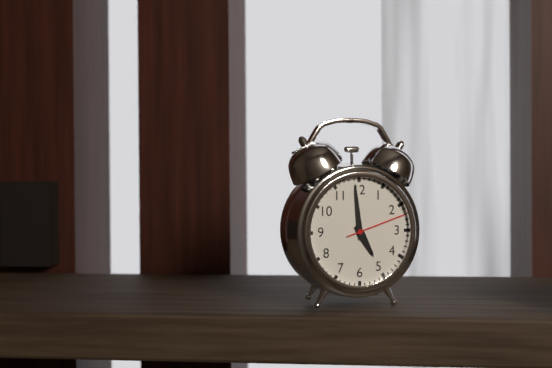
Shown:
**4:59:12**
